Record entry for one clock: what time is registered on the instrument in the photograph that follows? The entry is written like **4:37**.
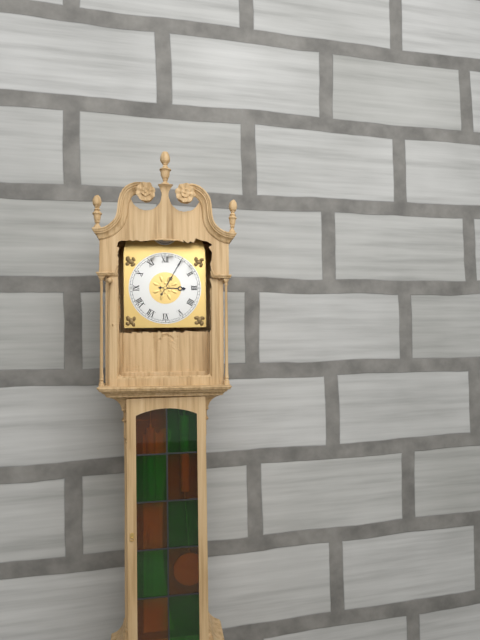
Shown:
**3:05**
